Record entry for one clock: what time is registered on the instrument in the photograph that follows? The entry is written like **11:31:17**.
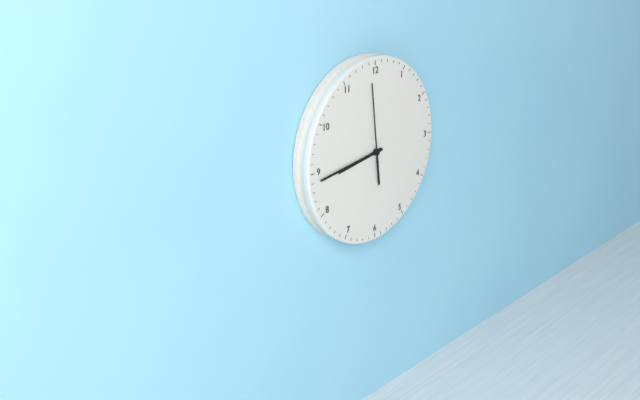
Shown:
**8:44:59**
